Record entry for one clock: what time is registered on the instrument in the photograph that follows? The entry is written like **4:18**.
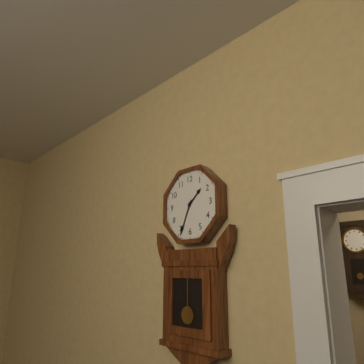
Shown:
**1:34**
